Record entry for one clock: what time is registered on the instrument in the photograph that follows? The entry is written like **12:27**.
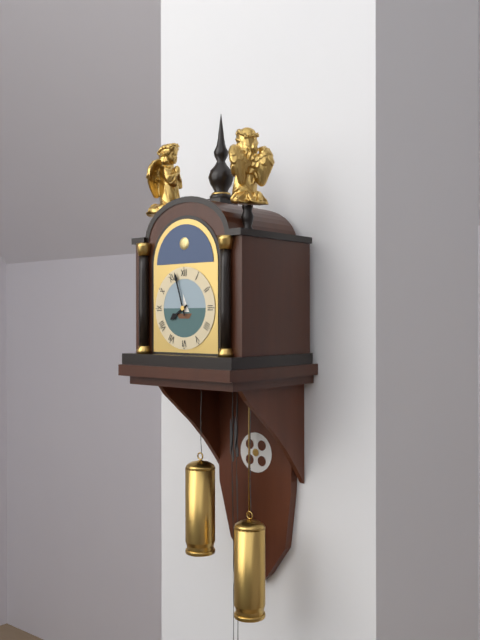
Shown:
**7:57**
